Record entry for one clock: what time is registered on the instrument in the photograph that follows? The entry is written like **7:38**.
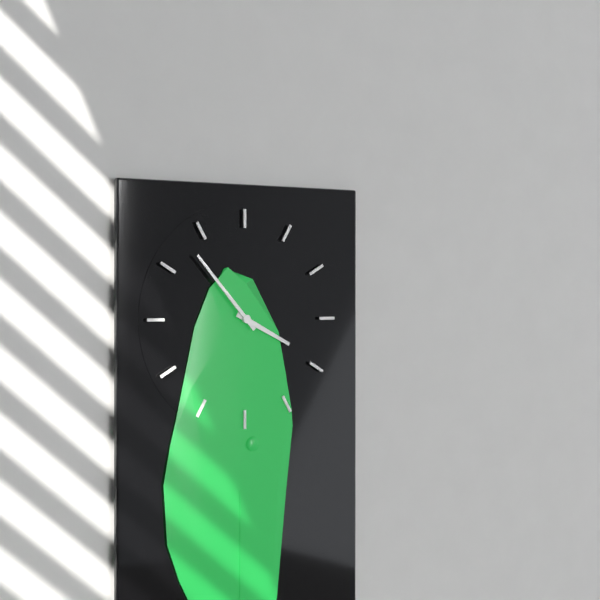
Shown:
**3:53**
